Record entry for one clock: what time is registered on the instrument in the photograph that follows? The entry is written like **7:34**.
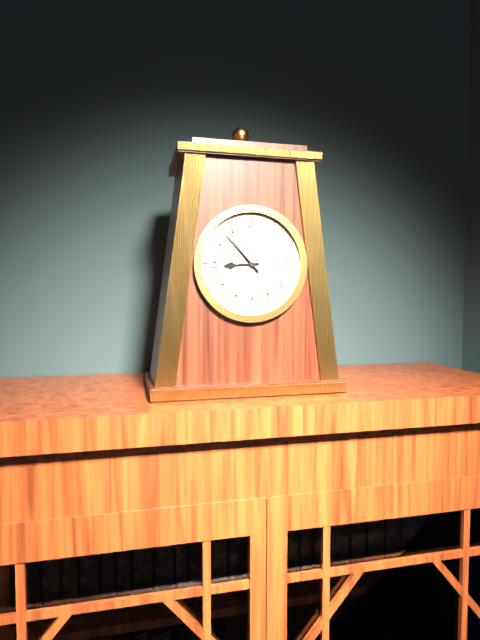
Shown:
**8:53**
